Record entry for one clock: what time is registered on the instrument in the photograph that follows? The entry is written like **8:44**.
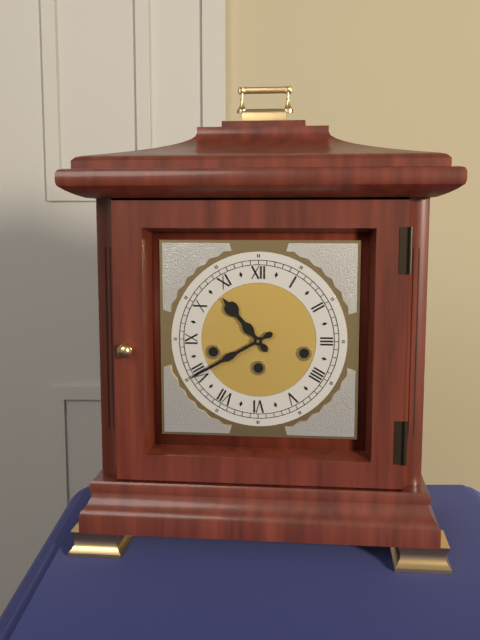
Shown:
**10:40**
